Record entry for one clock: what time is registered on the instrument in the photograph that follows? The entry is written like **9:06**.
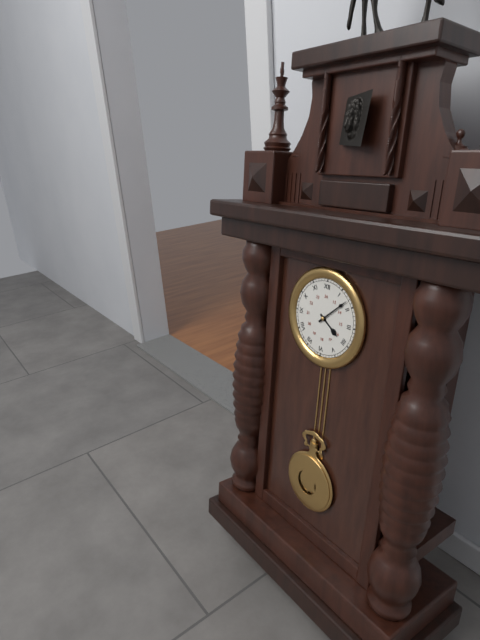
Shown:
**4:08**
